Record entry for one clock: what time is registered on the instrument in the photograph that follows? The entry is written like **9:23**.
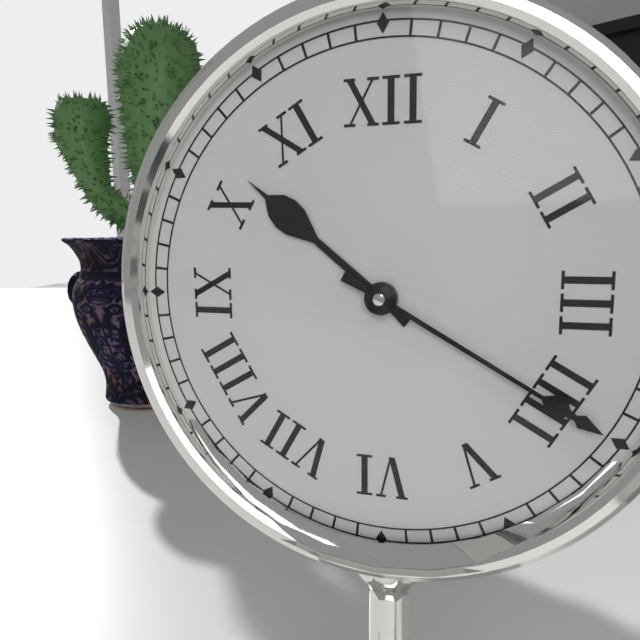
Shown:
**10:20**
